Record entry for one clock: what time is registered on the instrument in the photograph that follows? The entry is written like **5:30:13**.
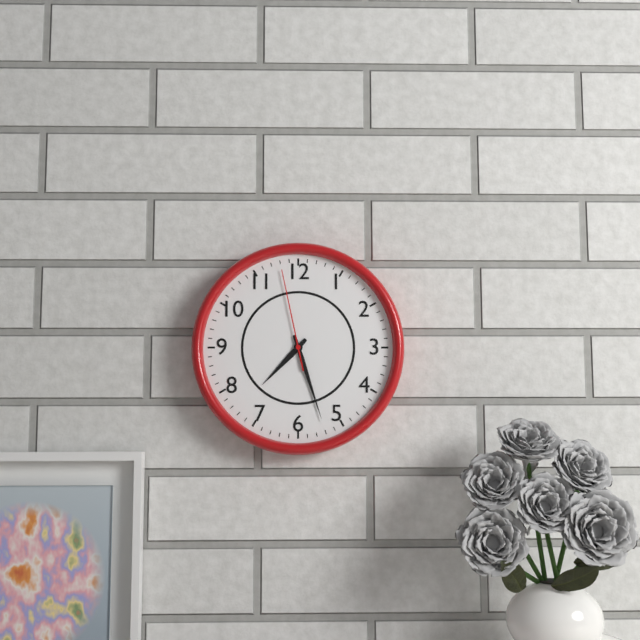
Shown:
**7:27:58**
